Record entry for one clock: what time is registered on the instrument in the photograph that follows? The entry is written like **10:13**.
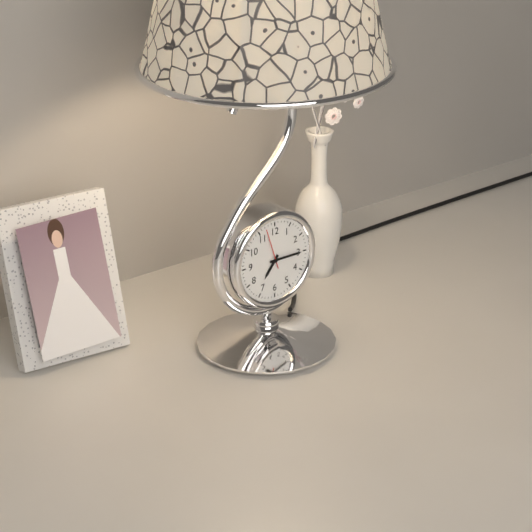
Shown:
**7:15**
